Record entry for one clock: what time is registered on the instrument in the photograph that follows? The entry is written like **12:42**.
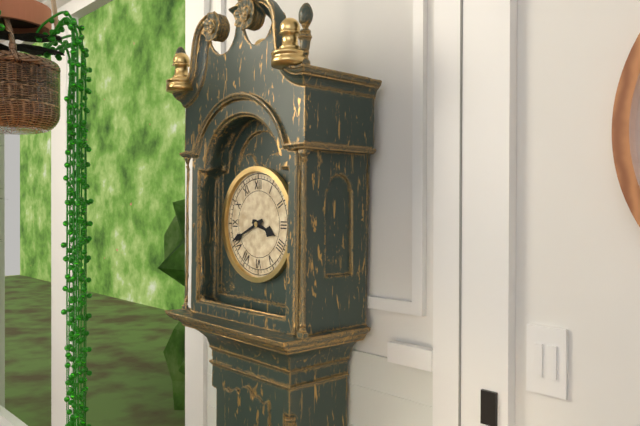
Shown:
**3:41**
